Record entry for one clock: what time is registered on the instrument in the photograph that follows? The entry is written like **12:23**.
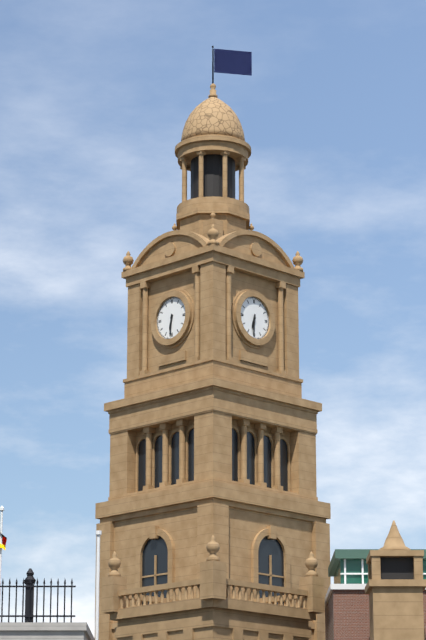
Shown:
**6:31**
